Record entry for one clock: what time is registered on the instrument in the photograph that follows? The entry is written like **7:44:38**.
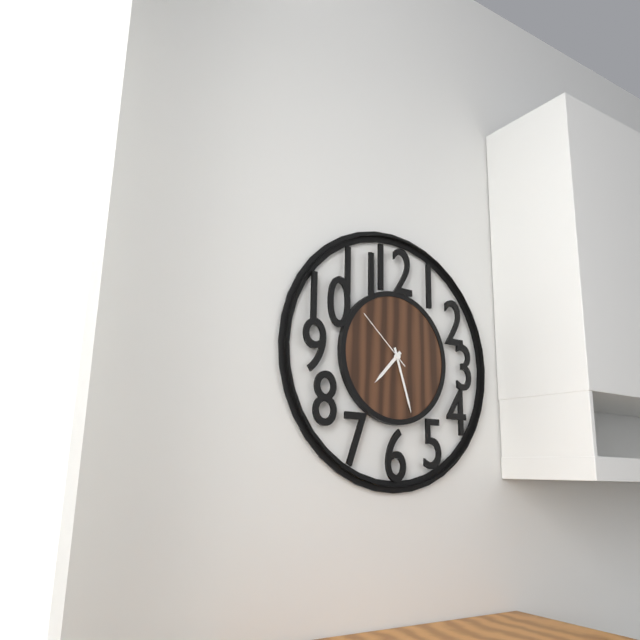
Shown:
**7:27:52**
